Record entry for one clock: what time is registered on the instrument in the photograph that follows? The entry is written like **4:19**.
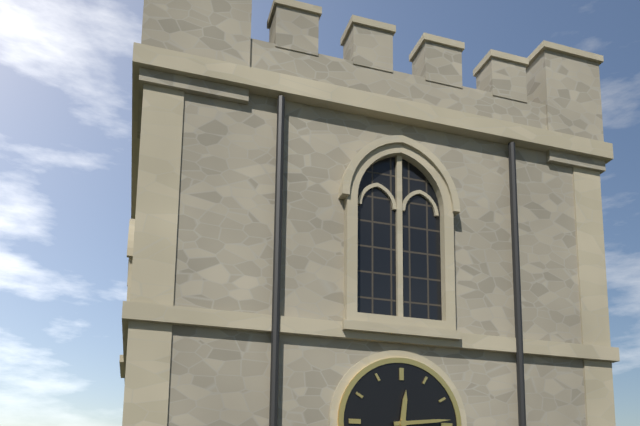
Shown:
**12:14**
